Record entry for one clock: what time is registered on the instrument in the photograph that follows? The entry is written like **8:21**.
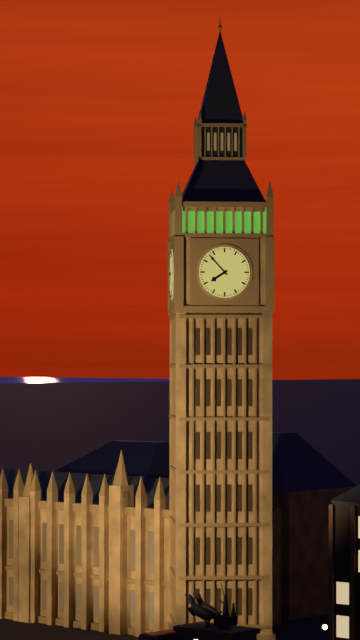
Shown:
**7:53**
